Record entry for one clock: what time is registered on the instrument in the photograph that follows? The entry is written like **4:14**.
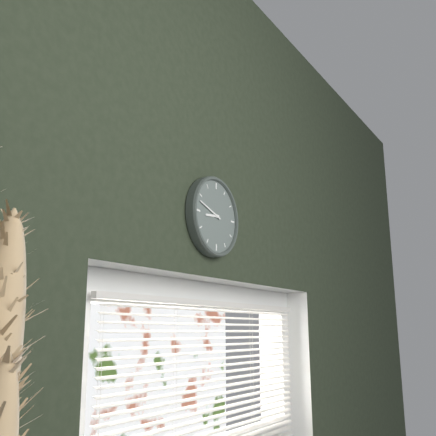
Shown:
**8:48**
